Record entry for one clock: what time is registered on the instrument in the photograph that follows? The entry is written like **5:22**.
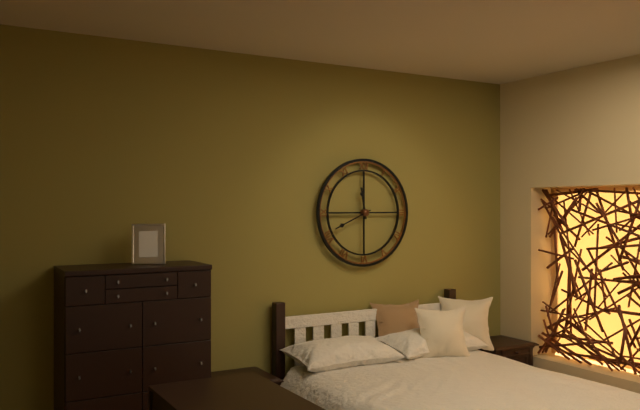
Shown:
**11:41**
